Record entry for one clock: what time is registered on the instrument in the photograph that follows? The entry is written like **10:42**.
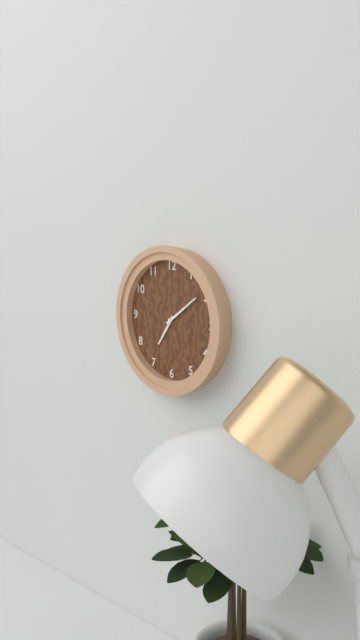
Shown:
**7:09**
